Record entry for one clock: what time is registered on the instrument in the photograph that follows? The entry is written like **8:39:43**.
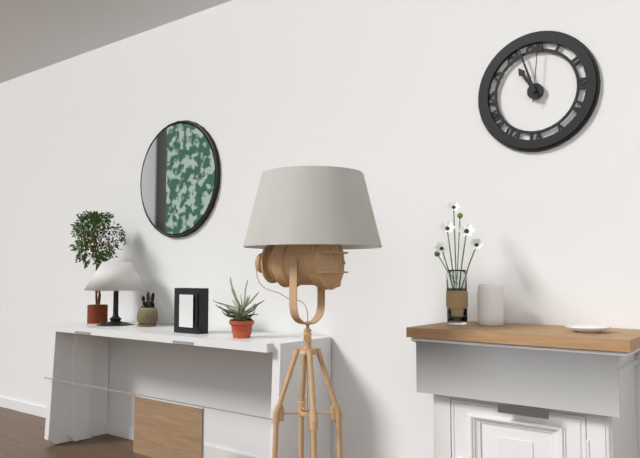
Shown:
**10:57:01**
